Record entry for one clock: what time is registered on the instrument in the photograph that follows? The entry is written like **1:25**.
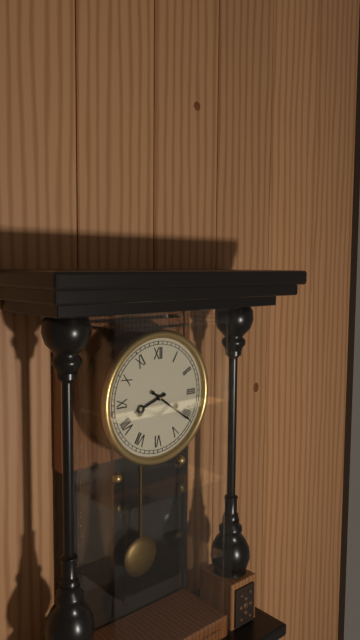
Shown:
**8:21**
